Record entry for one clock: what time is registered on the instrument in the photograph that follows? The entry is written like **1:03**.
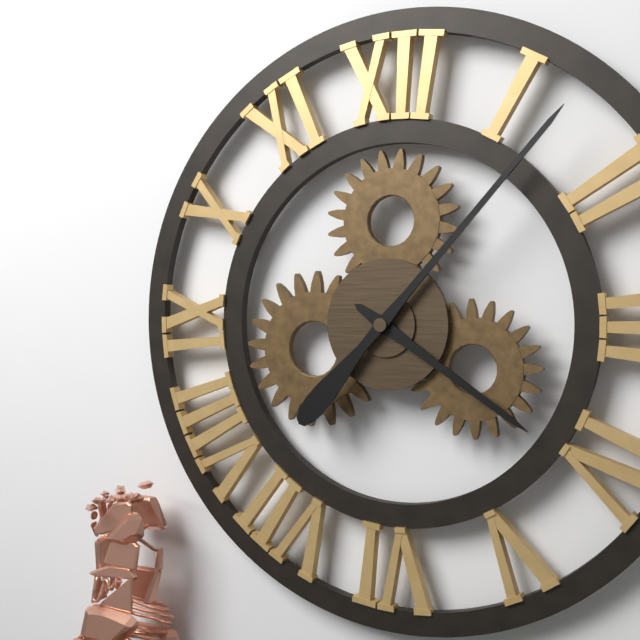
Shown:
**4:07**
